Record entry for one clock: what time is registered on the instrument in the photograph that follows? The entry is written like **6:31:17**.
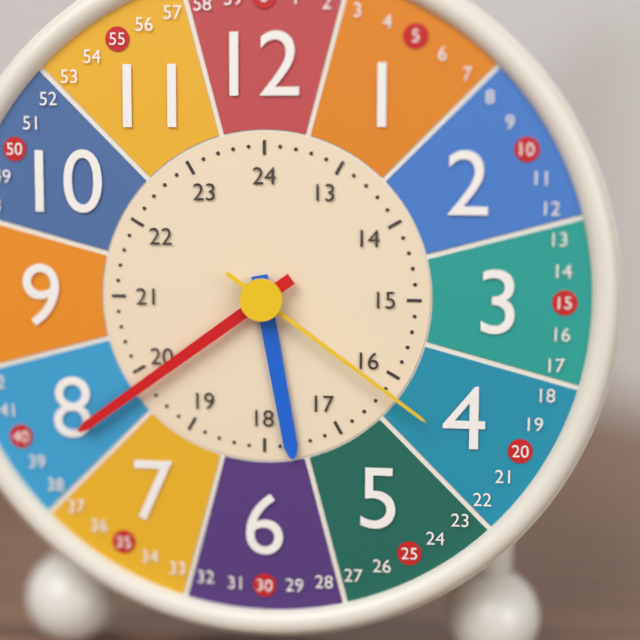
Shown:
**5:39:21**
